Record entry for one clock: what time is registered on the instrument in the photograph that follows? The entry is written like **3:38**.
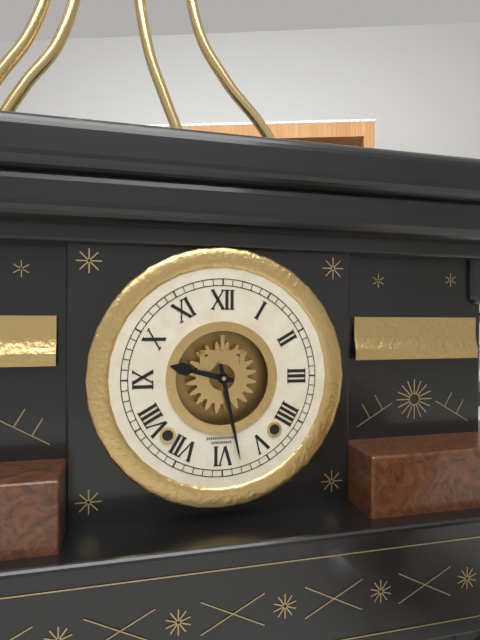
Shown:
**9:28**
